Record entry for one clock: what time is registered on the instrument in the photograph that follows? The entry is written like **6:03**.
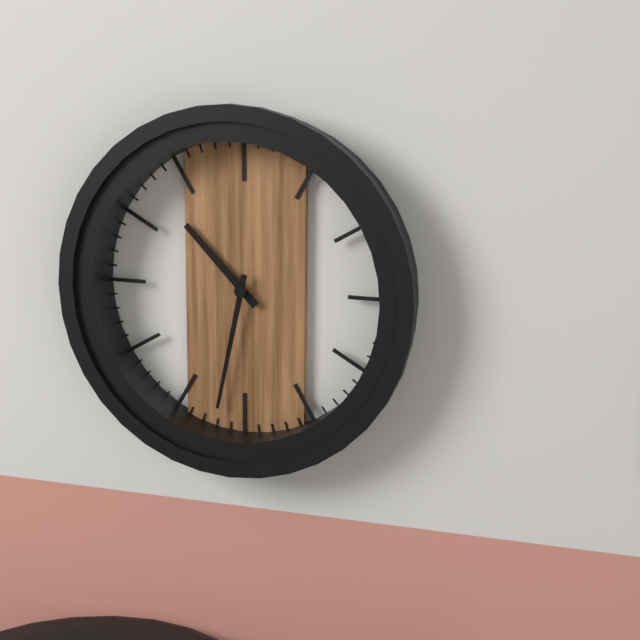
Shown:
**10:32**
